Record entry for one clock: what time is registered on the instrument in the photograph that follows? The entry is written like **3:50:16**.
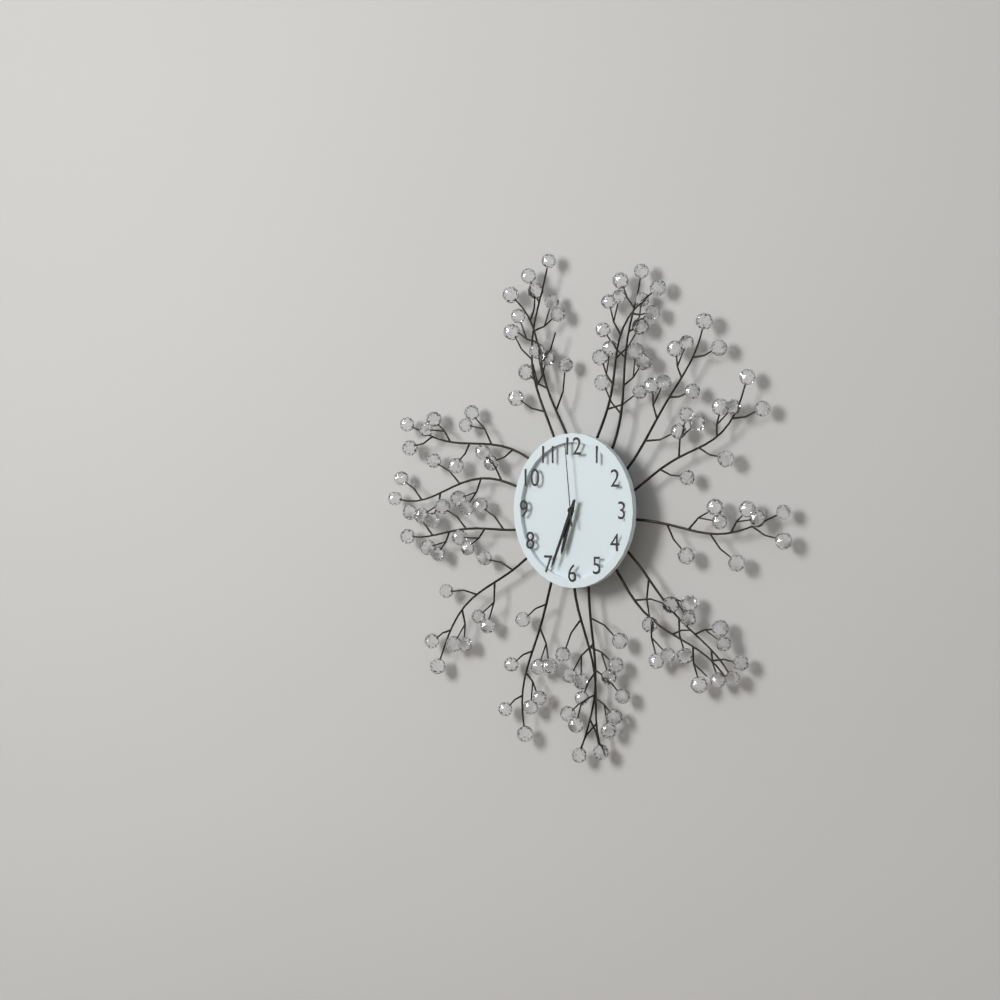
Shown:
**6:34:59**
